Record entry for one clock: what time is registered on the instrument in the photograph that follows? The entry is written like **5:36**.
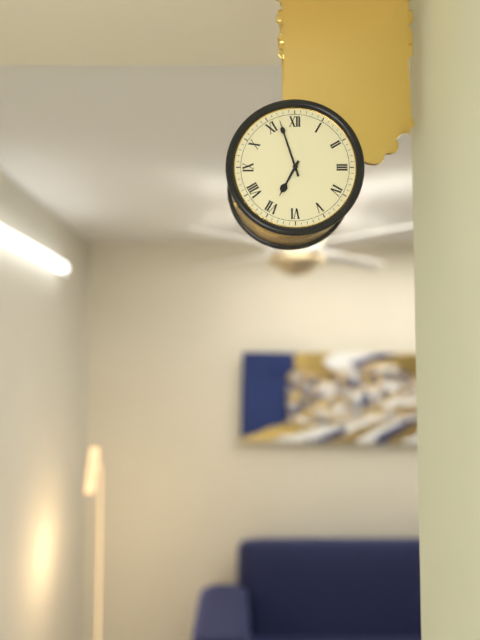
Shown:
**6:57**
